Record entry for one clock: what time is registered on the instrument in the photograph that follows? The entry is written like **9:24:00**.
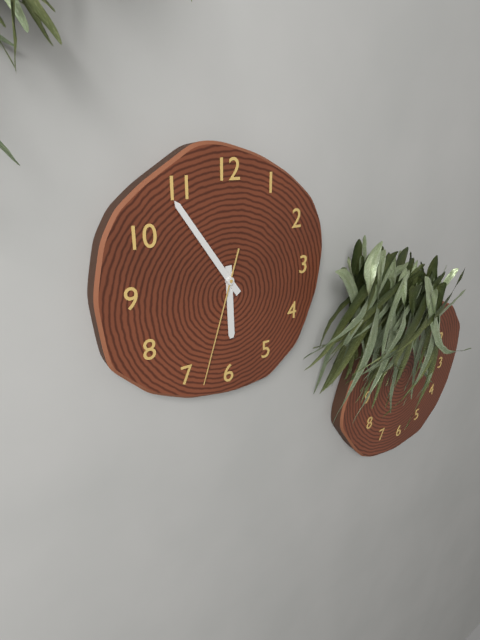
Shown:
**5:54:33**
